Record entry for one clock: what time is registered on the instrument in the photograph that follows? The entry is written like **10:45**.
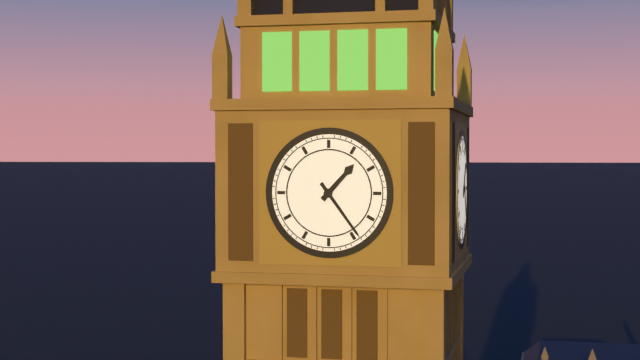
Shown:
**1:24**
